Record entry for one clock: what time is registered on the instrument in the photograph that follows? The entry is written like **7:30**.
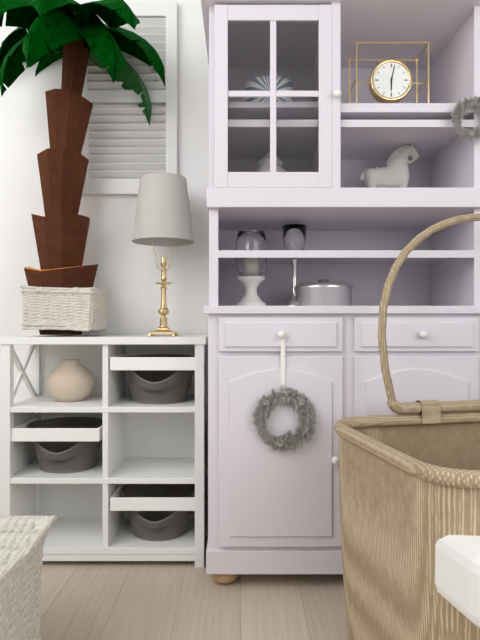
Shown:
**6:02**
